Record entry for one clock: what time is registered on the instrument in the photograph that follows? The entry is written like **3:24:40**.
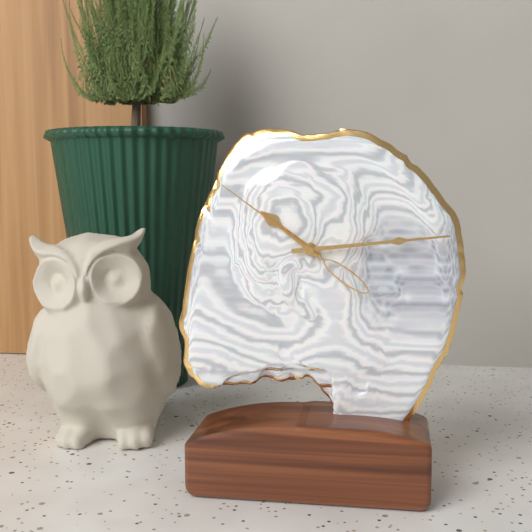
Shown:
**10:14:51**
